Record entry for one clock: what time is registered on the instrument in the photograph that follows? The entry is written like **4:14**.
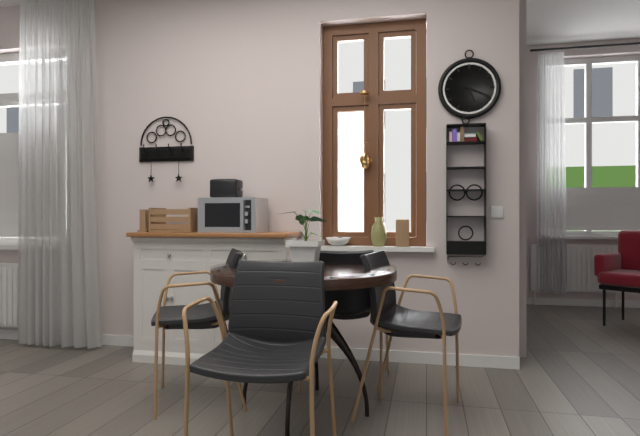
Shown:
**5:19**
